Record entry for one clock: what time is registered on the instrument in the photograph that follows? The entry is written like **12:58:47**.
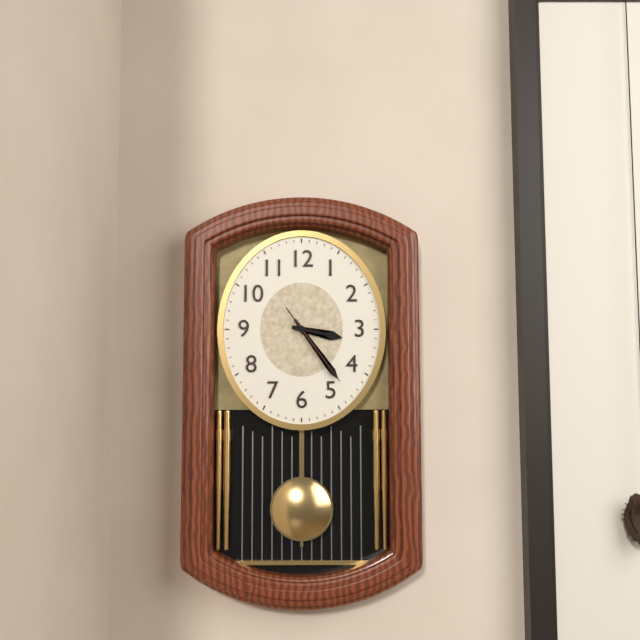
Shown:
**3:24:24**
